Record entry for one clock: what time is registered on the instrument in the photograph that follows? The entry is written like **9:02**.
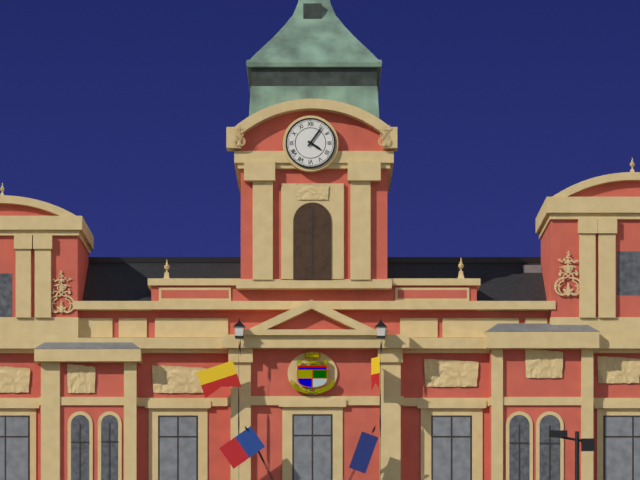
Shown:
**4:06**
